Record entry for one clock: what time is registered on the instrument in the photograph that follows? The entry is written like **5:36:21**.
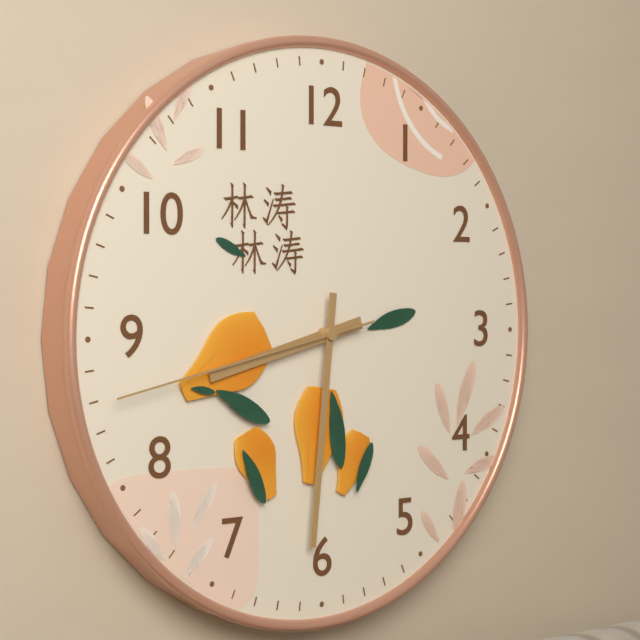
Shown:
**8:31:43**
